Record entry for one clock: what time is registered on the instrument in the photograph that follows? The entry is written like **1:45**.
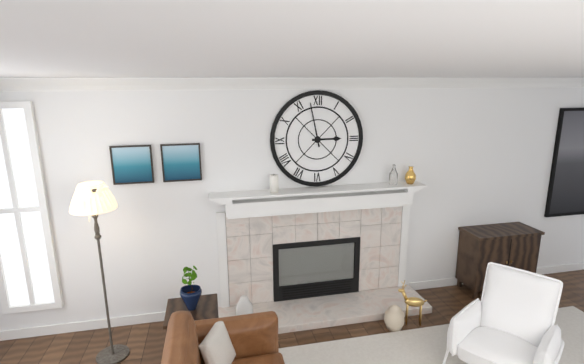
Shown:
**2:58**
